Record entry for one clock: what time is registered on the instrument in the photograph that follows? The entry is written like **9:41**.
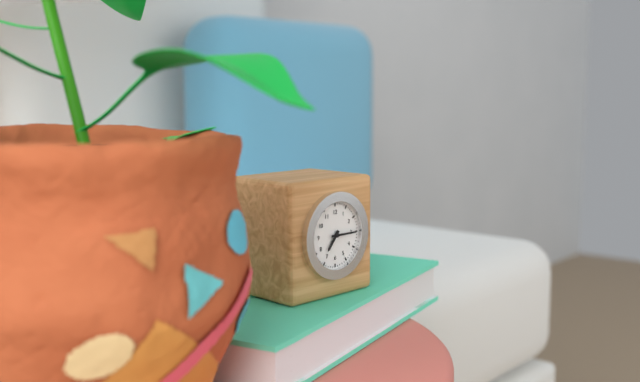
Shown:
**7:15**
